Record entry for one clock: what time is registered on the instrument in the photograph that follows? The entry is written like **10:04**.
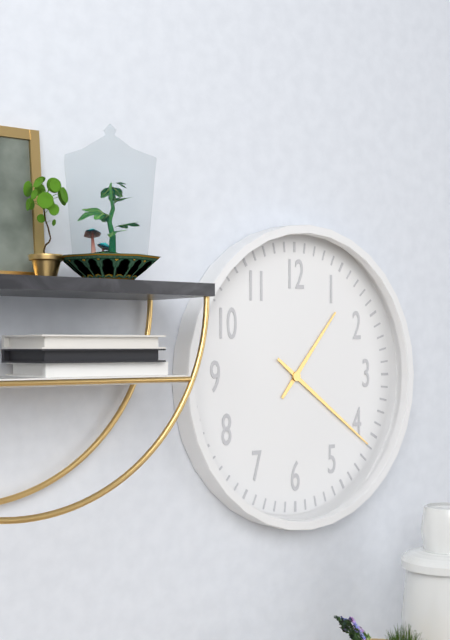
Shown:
**1:21**
